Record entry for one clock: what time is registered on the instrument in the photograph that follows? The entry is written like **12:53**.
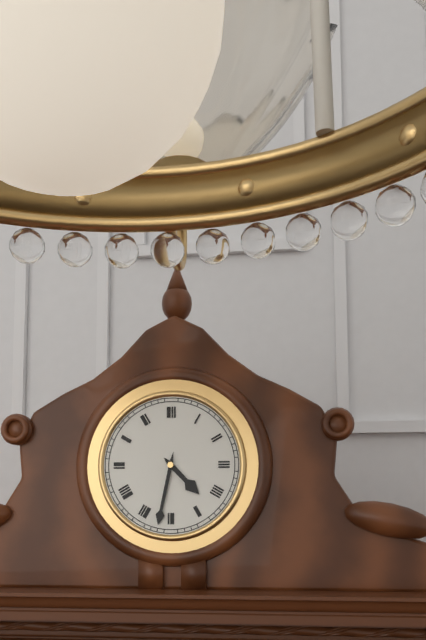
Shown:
**4:32**
